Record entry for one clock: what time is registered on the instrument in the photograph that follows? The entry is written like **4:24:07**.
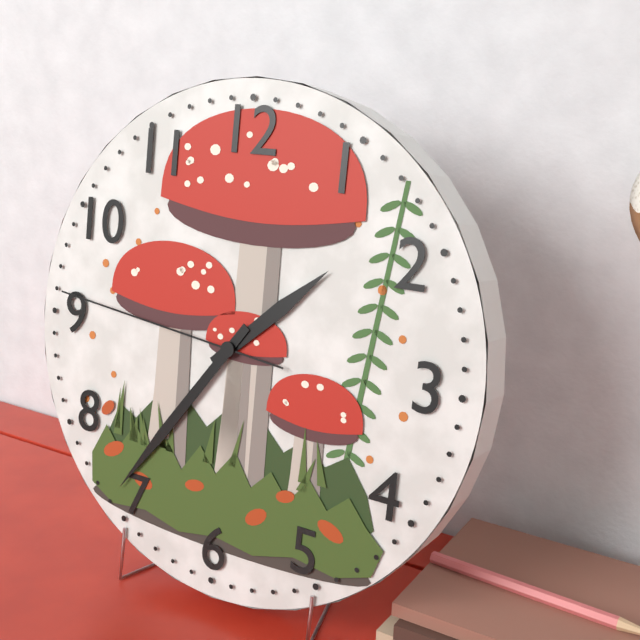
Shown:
**1:36:46**
